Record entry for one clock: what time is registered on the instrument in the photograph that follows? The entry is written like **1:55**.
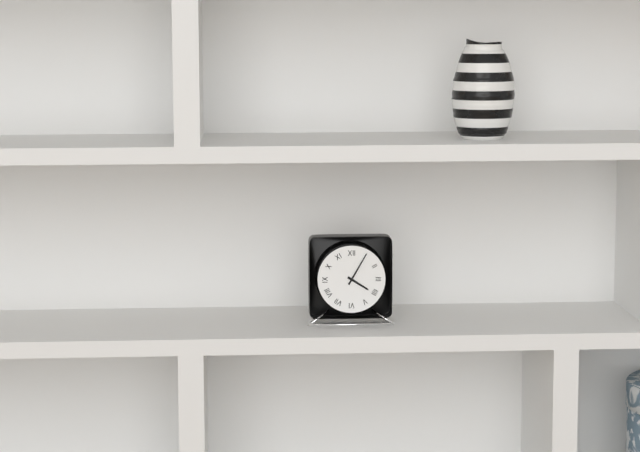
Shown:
**4:05**
